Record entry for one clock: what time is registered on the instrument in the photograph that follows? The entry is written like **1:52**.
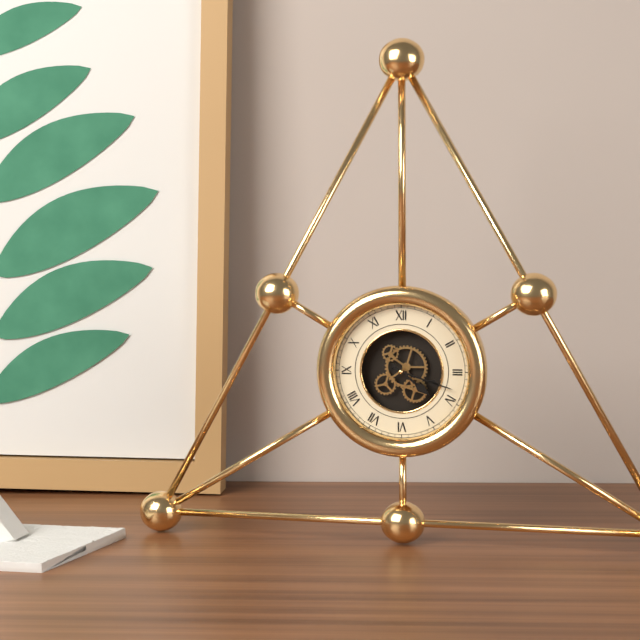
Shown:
**4:18**
